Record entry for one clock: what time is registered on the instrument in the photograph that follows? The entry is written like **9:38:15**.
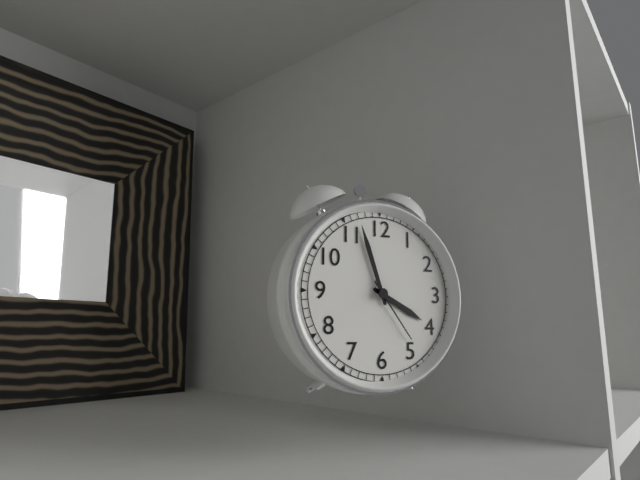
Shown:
**3:57:24**
